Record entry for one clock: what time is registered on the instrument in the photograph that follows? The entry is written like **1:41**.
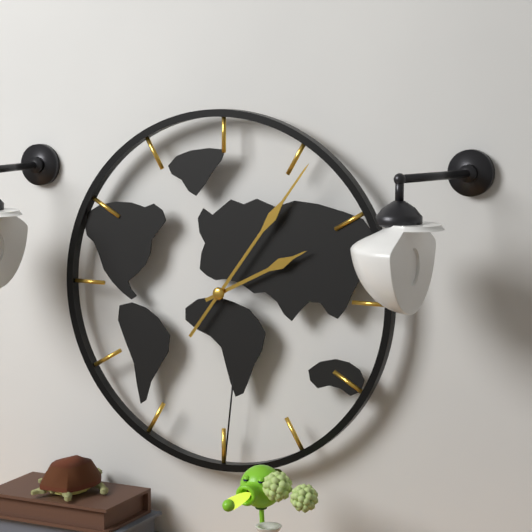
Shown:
**2:06**
